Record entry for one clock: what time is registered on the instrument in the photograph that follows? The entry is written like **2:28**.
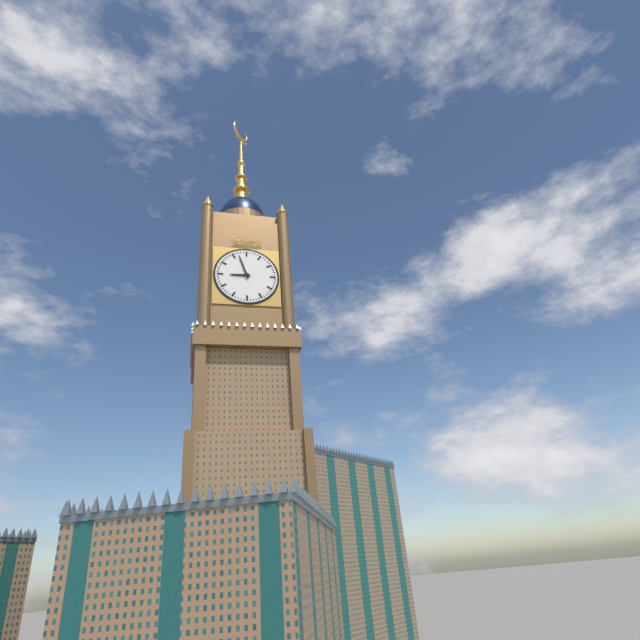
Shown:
**8:57**
